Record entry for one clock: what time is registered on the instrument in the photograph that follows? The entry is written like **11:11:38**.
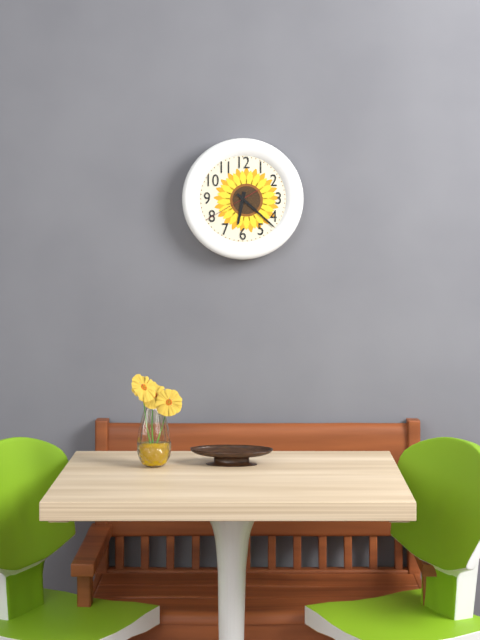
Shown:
**6:22:40**
